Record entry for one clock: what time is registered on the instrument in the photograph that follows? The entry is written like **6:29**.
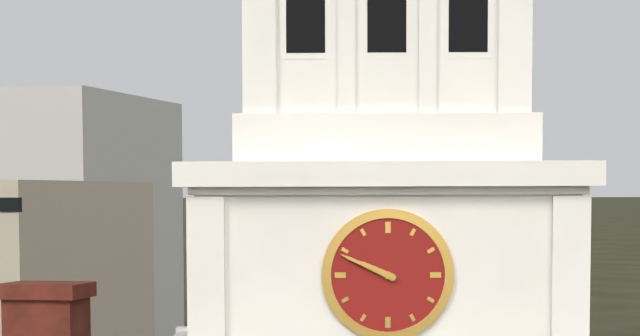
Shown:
**9:49**
